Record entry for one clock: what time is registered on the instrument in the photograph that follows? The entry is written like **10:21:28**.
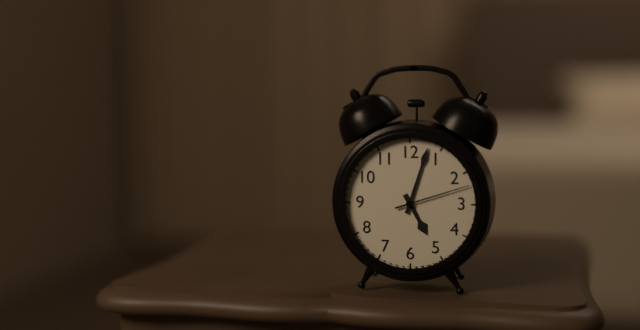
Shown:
**5:03:12**
